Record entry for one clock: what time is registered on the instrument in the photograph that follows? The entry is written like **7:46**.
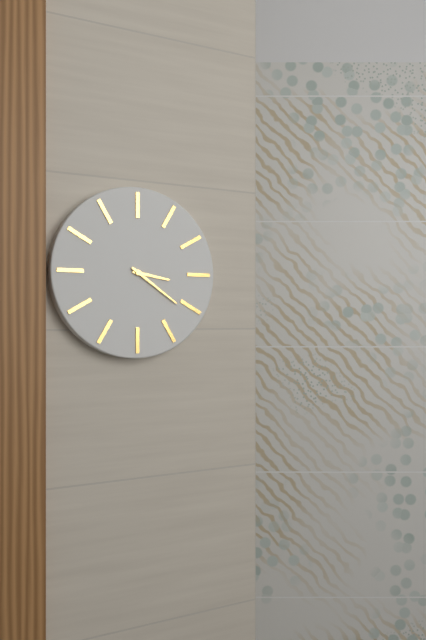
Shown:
**3:21**
